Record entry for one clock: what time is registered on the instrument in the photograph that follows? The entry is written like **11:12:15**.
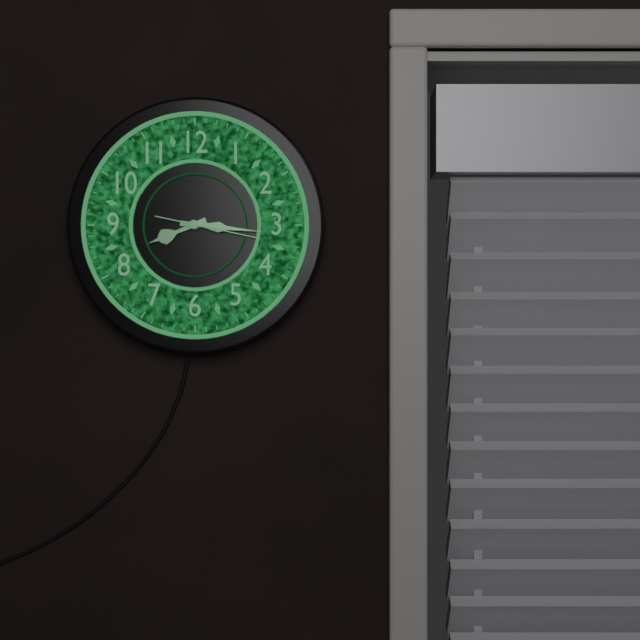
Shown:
**8:16:17**
